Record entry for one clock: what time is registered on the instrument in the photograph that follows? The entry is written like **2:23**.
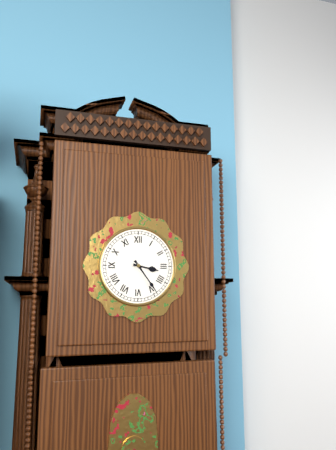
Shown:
**3:24**
